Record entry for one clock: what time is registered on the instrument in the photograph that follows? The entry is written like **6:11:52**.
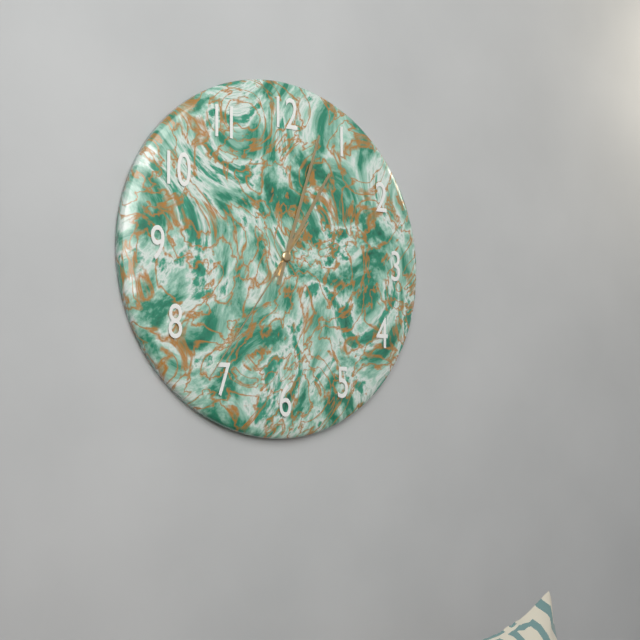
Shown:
**1:03:36**
